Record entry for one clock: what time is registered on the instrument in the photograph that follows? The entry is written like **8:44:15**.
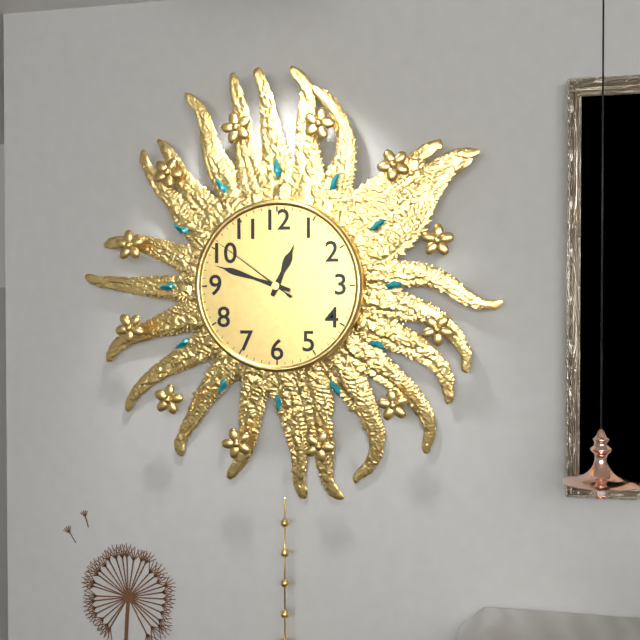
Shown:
**12:48:51**
